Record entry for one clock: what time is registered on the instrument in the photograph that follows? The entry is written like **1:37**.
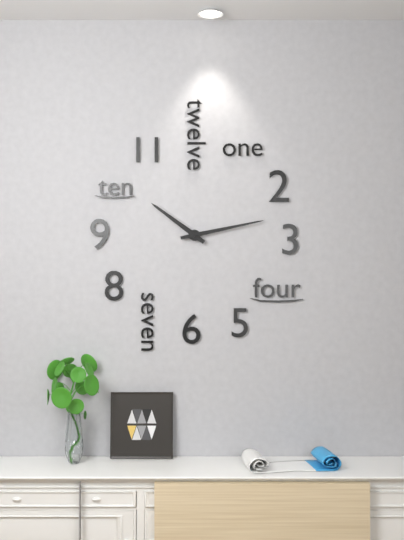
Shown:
**10:13**
